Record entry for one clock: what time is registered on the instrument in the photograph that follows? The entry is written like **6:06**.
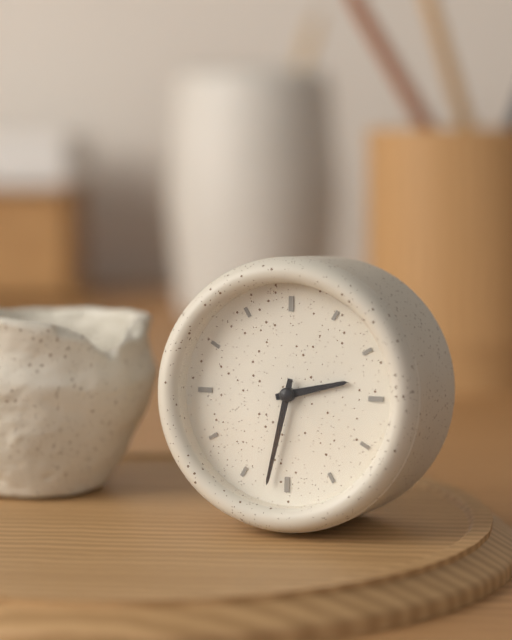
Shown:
**2:32**
